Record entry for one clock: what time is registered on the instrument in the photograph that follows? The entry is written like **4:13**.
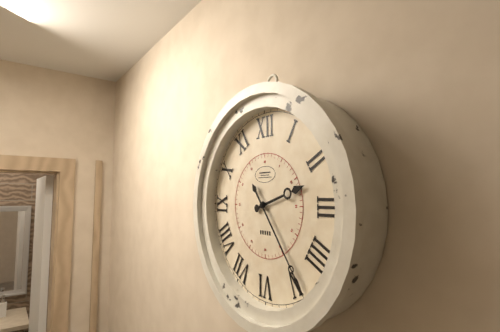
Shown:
**2:24**
